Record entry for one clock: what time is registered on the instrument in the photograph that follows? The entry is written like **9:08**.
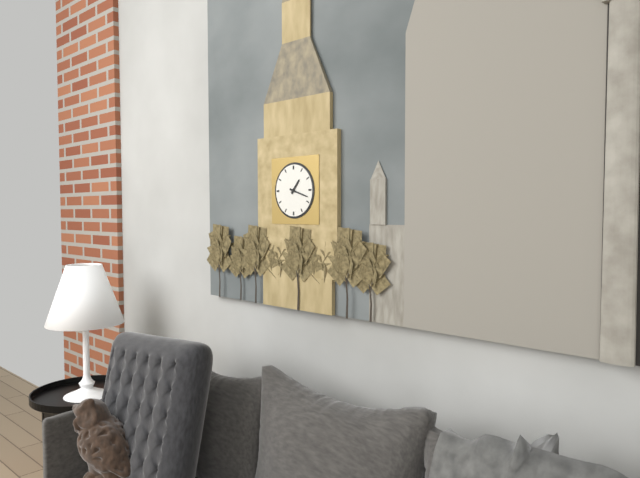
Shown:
**1:18**
